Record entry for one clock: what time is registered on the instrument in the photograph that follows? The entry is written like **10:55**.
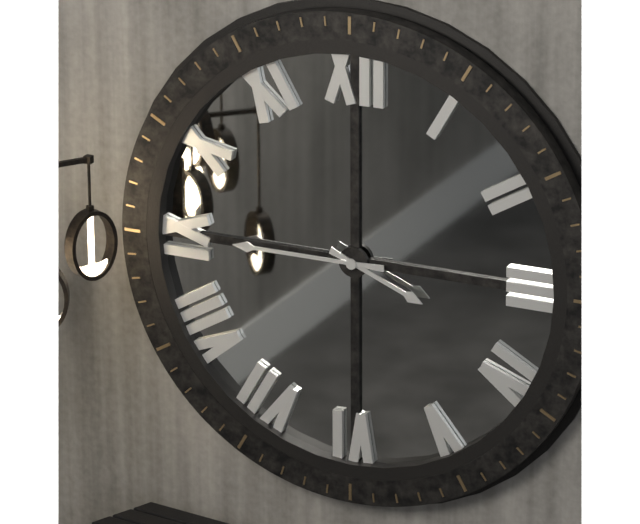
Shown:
**3:45**
